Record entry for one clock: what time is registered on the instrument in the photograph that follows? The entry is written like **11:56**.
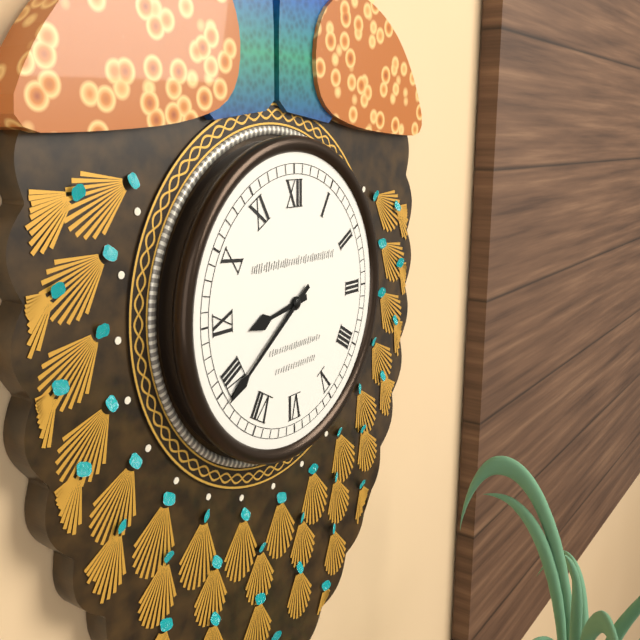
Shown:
**8:39**
